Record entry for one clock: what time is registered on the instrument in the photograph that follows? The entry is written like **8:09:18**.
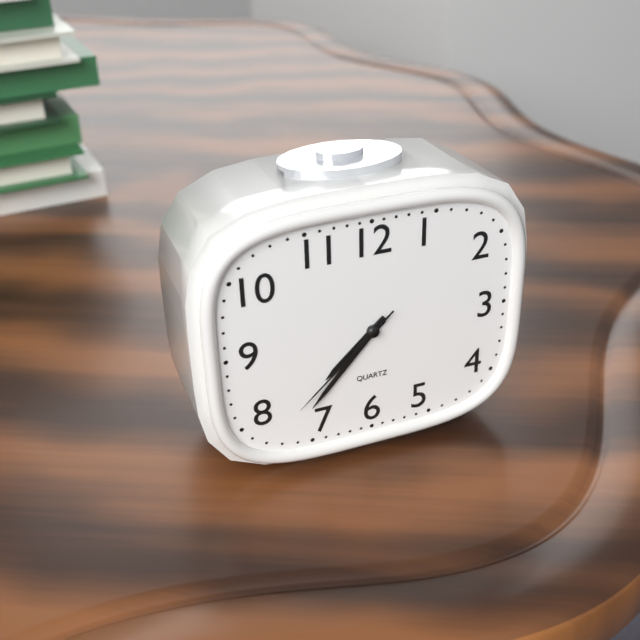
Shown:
**7:37:38**
